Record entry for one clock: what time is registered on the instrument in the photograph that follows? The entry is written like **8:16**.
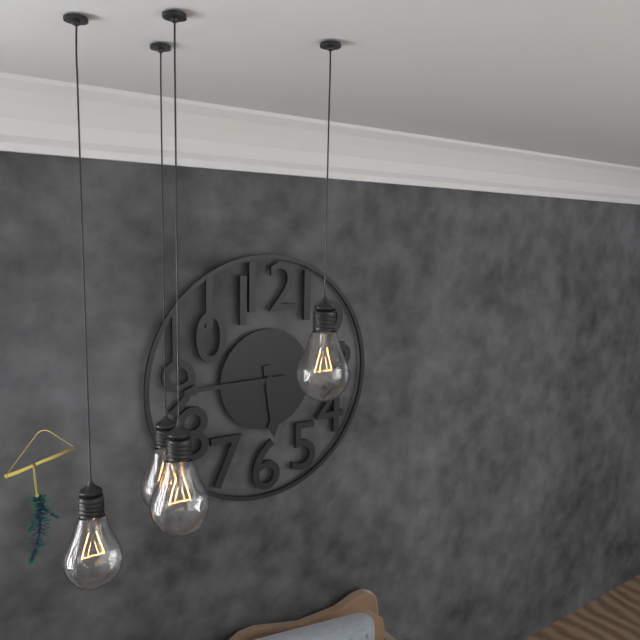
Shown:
**5:45**
